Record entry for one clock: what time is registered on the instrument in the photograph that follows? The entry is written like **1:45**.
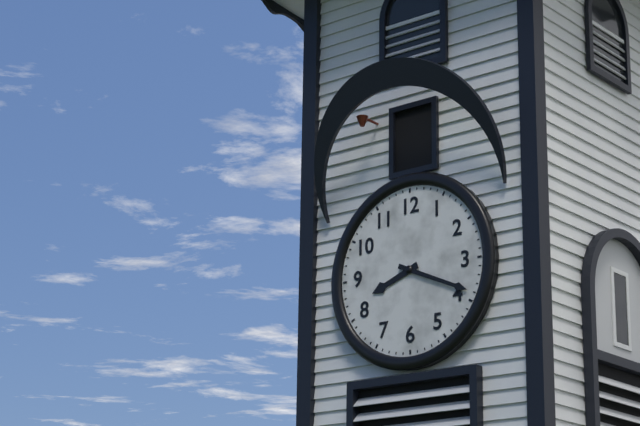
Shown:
**8:19**
